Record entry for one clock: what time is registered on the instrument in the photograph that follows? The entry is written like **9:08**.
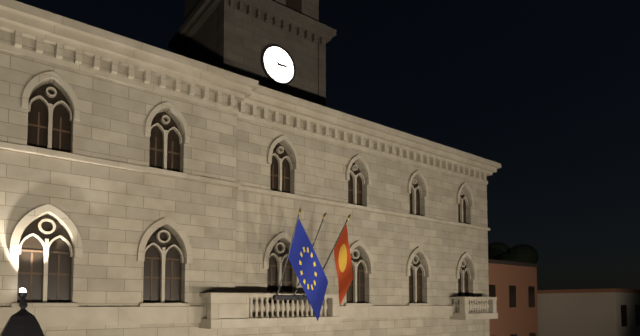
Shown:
**2:49**
